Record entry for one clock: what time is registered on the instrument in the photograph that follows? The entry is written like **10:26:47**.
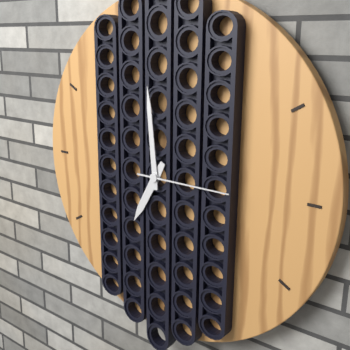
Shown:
**6:59:15**
